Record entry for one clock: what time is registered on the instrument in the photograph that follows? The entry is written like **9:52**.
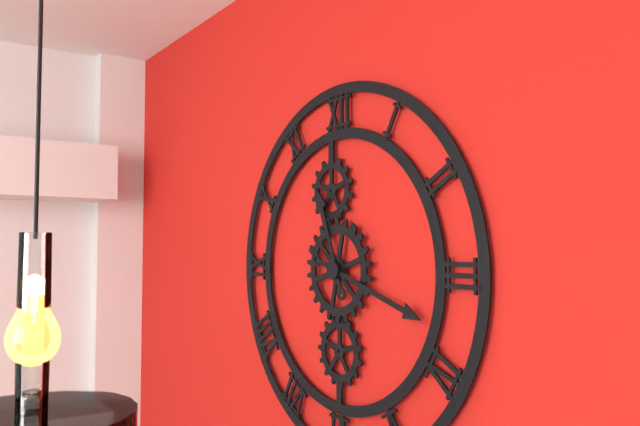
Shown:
**11:18**
